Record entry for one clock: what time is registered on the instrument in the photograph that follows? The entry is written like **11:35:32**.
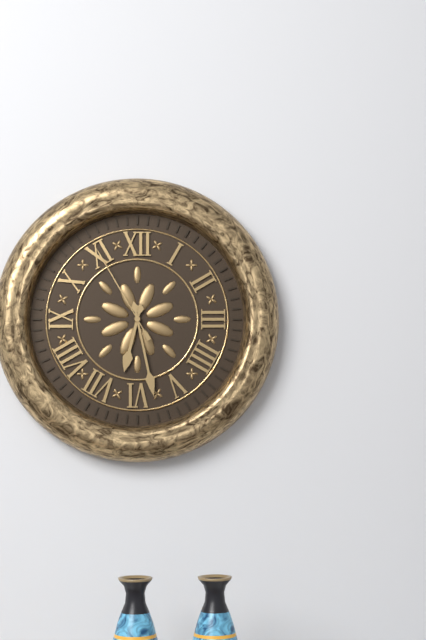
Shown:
**6:28:55**
